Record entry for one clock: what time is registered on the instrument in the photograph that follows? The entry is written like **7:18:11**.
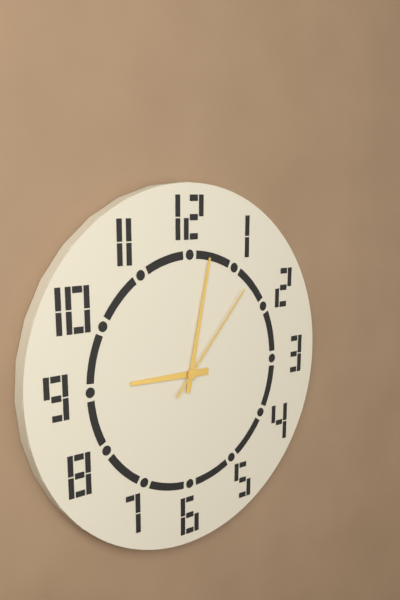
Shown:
**9:02:07**
